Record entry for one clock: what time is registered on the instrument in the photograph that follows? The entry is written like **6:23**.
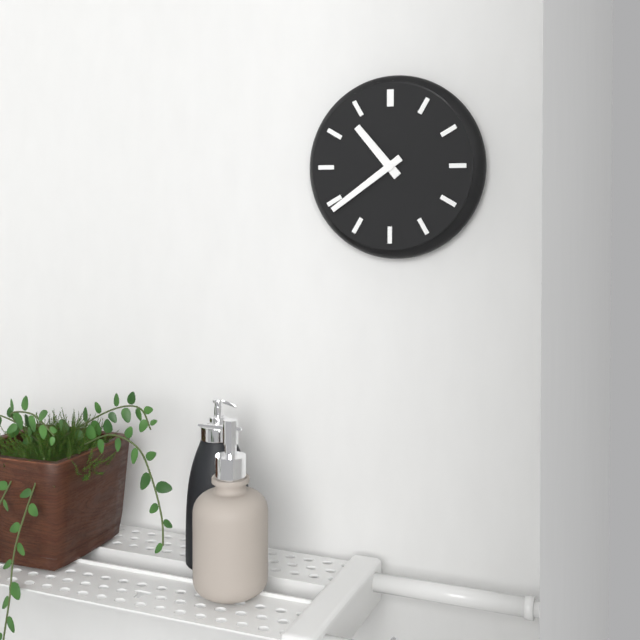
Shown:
**10:39**
